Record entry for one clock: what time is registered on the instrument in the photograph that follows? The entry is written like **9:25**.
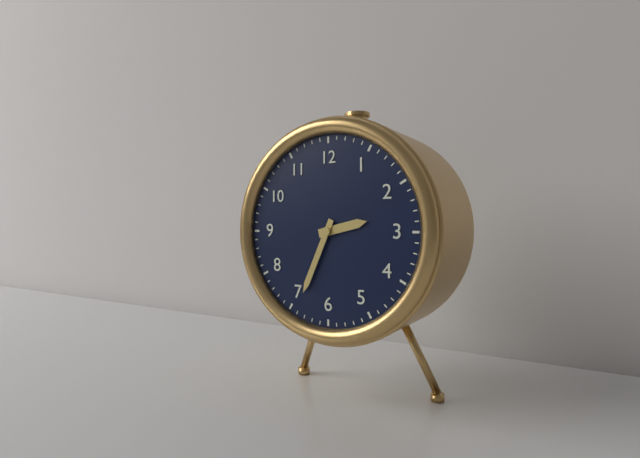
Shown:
**2:34**
